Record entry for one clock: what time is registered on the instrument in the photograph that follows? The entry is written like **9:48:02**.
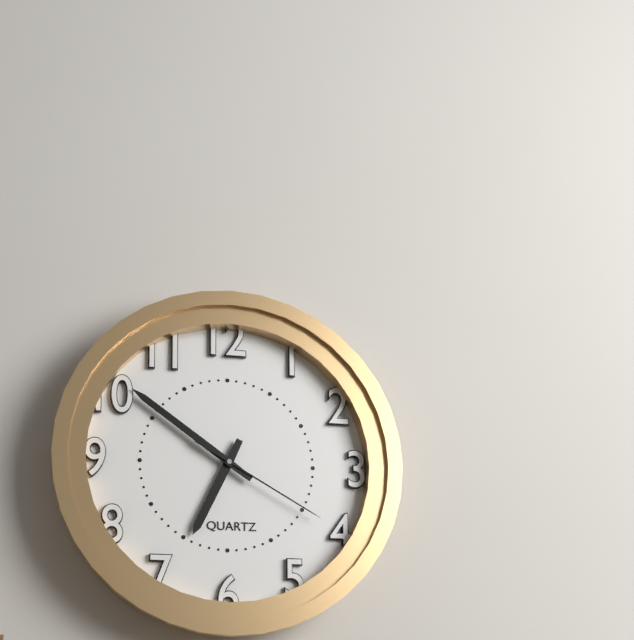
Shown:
**6:51:20**
